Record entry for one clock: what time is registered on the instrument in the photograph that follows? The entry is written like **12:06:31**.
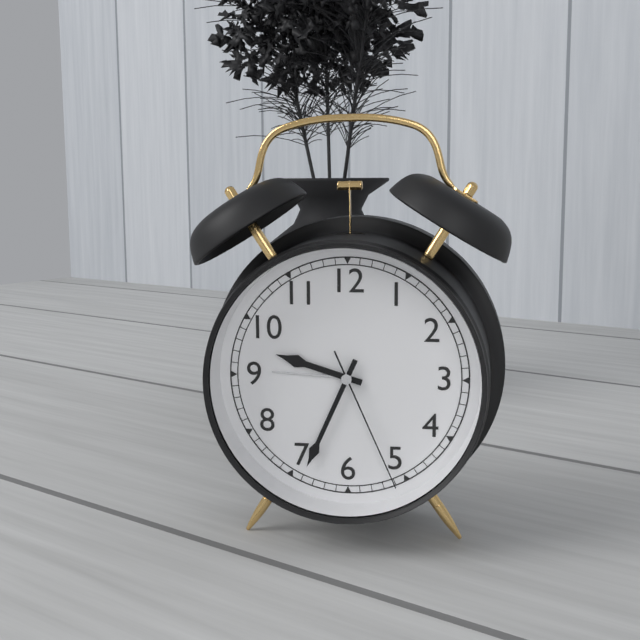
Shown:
**9:34:26**
